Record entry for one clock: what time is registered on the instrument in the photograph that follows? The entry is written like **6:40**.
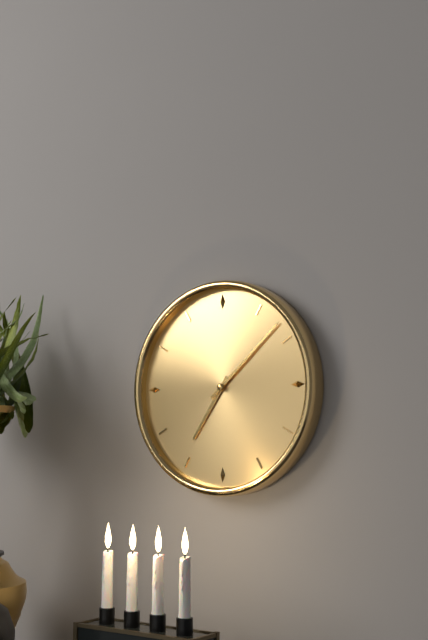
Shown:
**7:08**
